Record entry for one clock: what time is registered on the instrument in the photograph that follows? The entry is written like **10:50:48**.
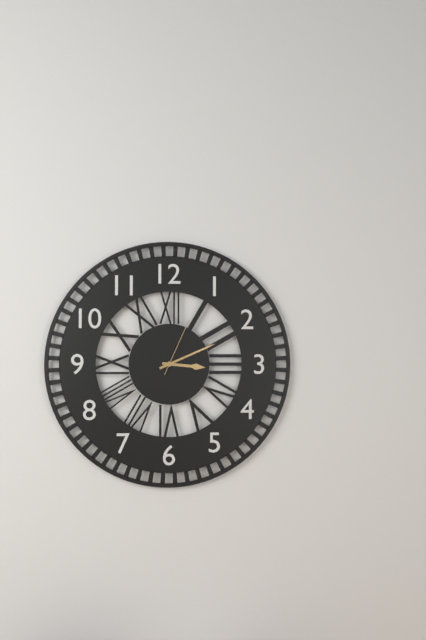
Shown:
**3:11:04**
